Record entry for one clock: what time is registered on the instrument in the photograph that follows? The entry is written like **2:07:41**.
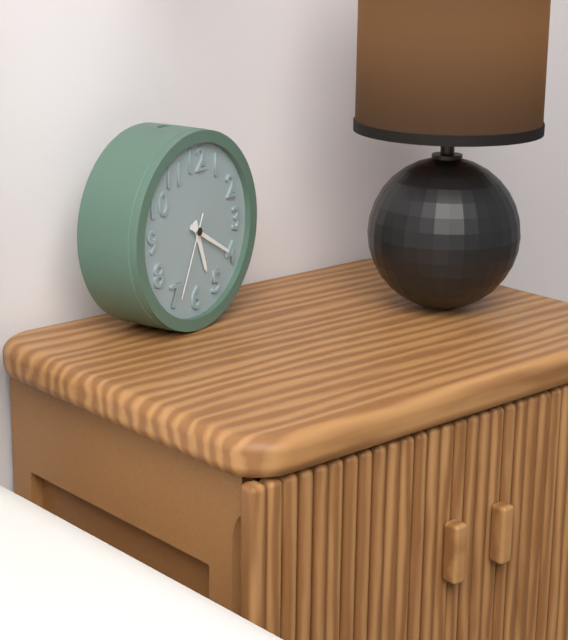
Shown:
**5:20:34**
